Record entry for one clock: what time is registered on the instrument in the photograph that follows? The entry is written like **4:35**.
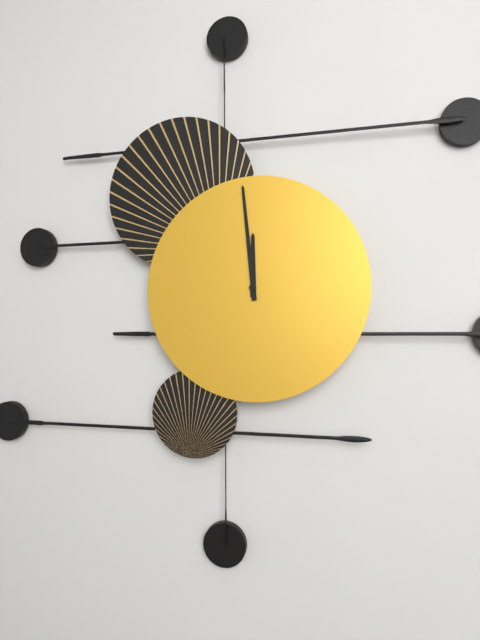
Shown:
**11:59**
